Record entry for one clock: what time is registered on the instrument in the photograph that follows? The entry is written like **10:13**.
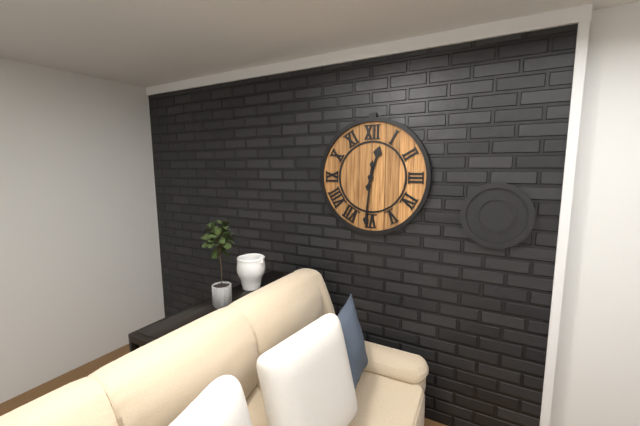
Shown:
**12:31**
